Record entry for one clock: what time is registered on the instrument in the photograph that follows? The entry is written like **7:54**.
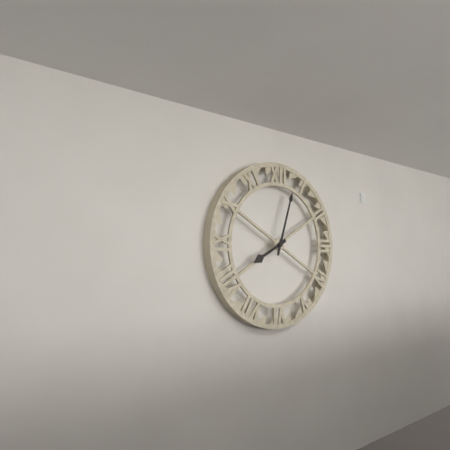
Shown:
**8:03**
